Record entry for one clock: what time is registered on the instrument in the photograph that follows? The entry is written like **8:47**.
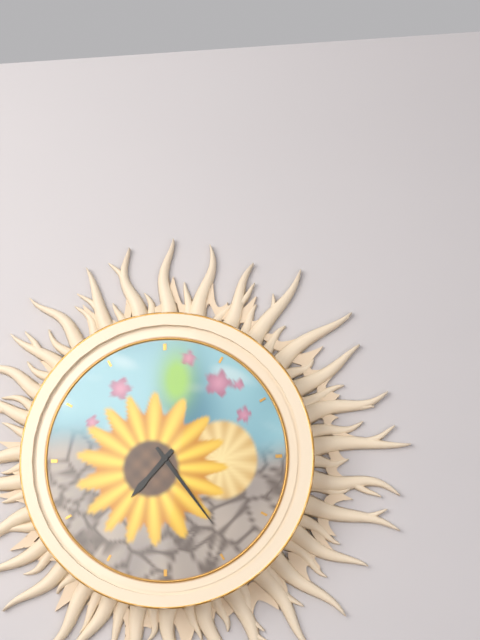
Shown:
**7:24**
